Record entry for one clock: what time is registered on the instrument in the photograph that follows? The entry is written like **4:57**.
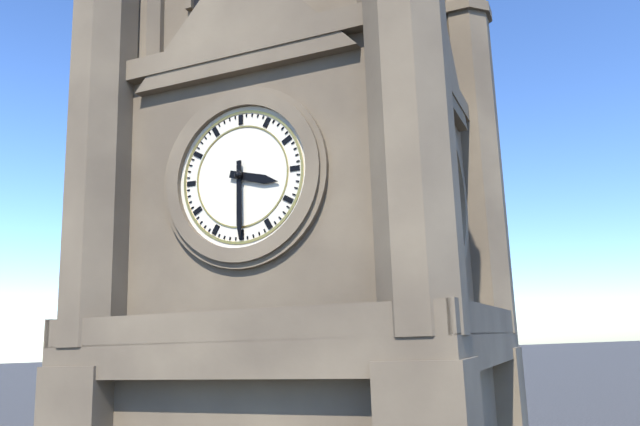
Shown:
**3:30**
